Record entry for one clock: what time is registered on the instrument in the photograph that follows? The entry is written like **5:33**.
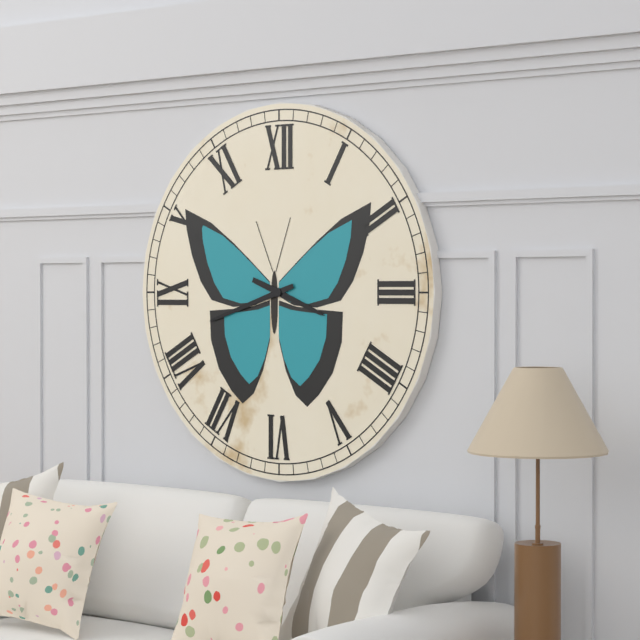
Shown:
**3:42**
